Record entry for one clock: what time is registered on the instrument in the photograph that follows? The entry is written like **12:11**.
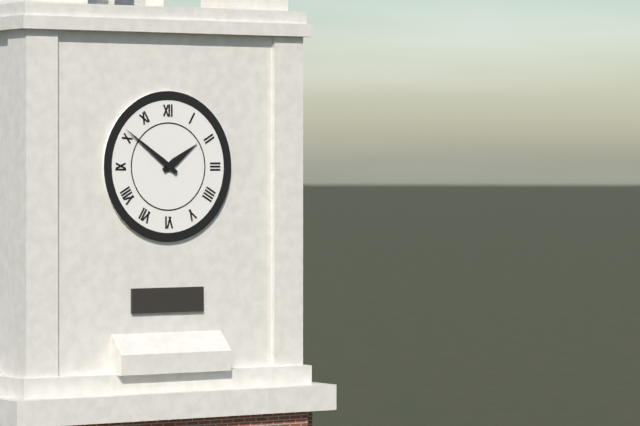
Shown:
**1:51**
